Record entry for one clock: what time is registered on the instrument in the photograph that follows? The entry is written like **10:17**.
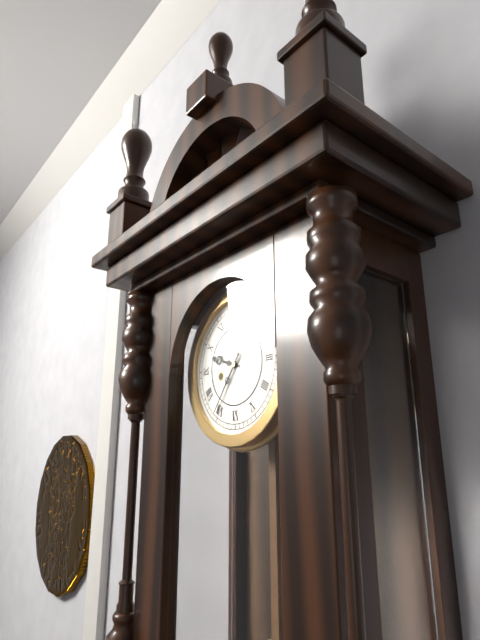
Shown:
**9:36**
